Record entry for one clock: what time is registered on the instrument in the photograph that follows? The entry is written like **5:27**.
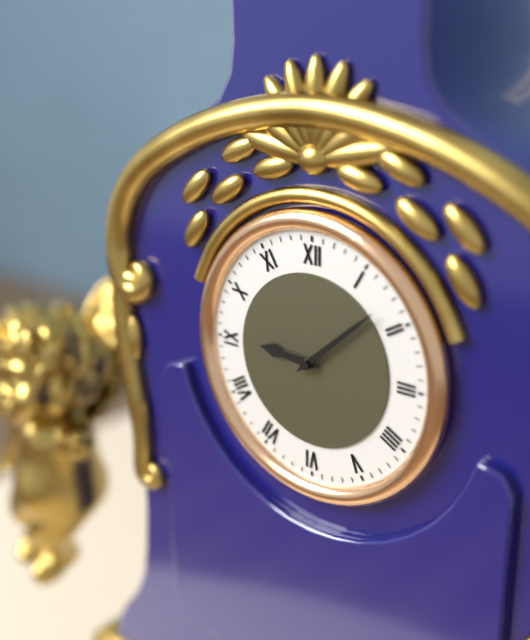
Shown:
**9:08**
